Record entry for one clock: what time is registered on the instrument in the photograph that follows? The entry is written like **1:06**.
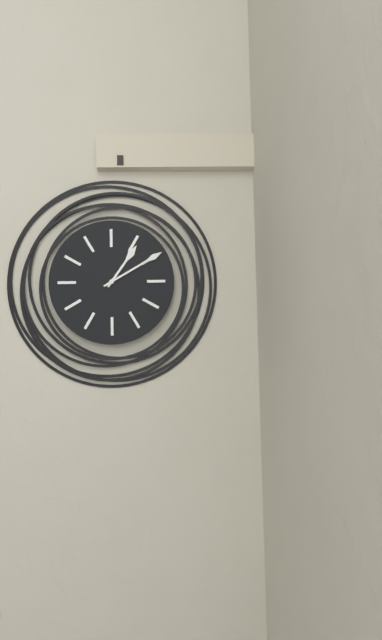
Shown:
**1:10**
